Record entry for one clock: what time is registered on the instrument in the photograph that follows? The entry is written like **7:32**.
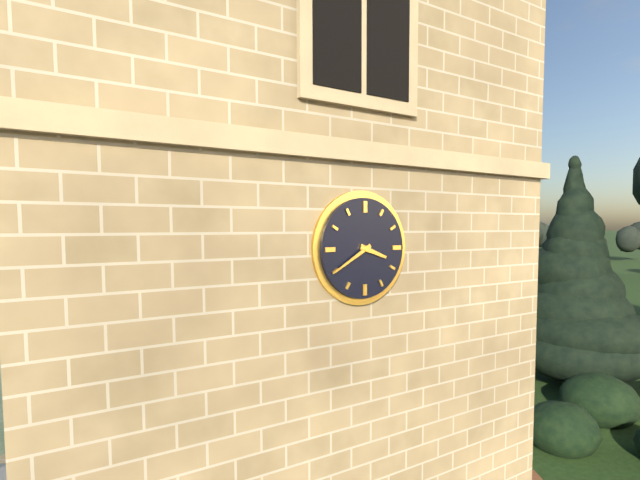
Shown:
**3:40**
